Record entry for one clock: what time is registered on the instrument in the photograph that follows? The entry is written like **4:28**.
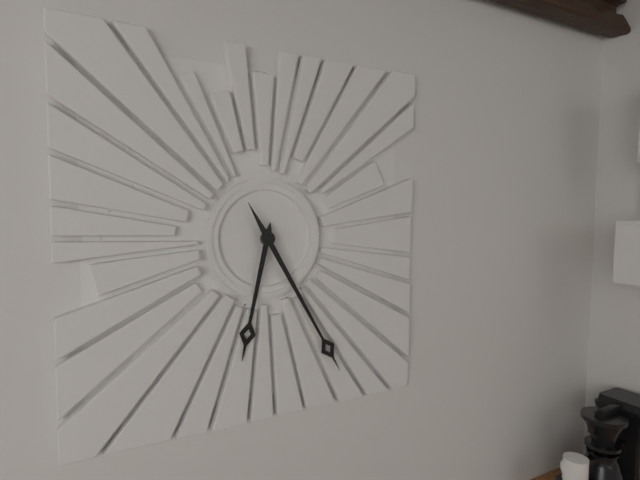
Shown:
**6:25**
